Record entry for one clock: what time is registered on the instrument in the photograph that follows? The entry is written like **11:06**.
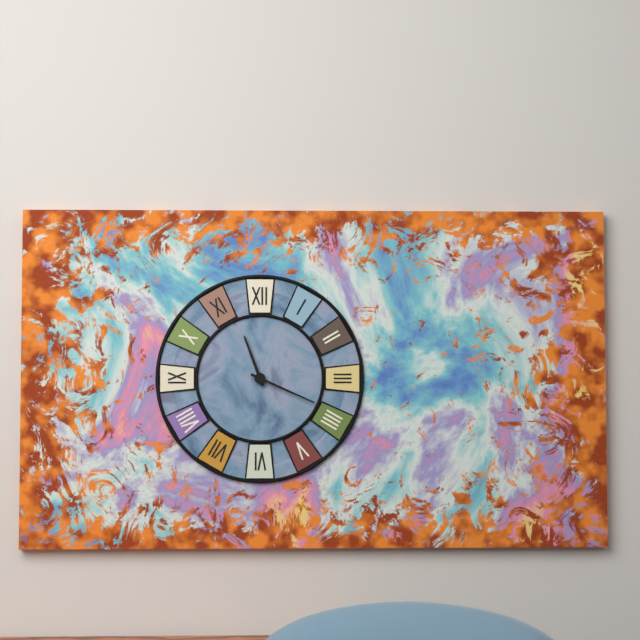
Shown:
**11:19**
